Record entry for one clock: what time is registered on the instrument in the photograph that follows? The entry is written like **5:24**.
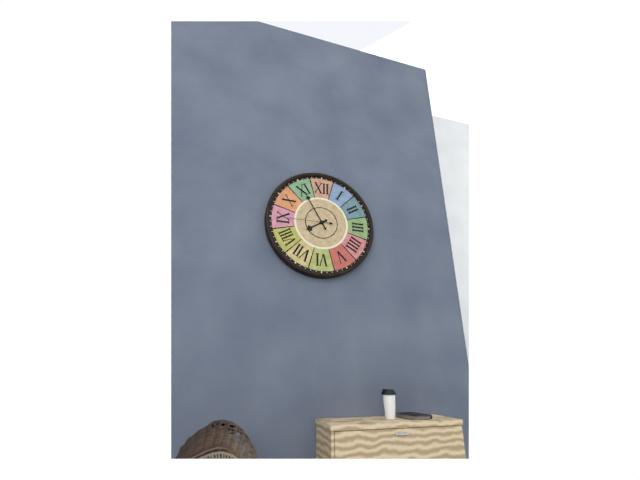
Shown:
**7:55**
